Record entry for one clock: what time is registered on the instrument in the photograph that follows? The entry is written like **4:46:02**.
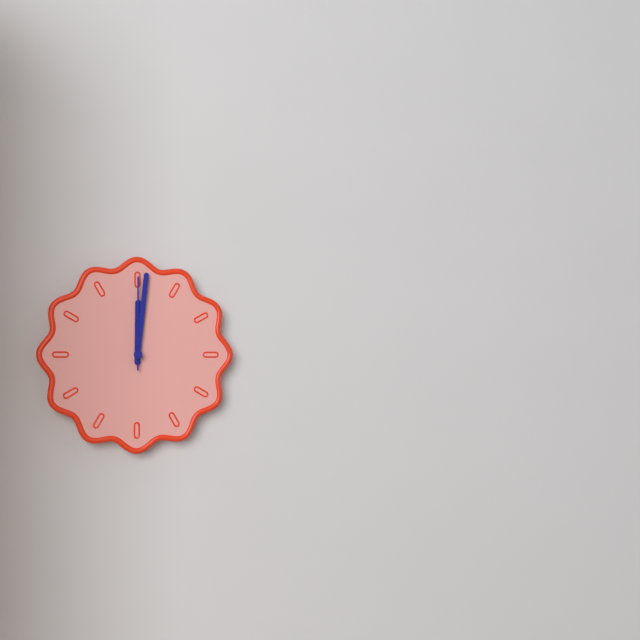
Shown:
**12:01:00**
